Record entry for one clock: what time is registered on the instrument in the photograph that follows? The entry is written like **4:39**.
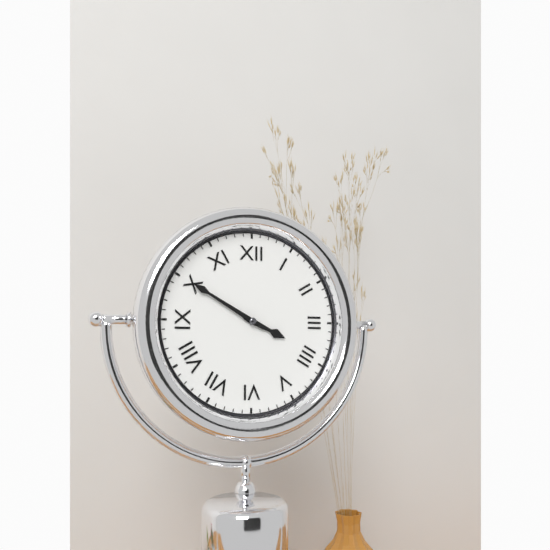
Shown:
**3:50**
